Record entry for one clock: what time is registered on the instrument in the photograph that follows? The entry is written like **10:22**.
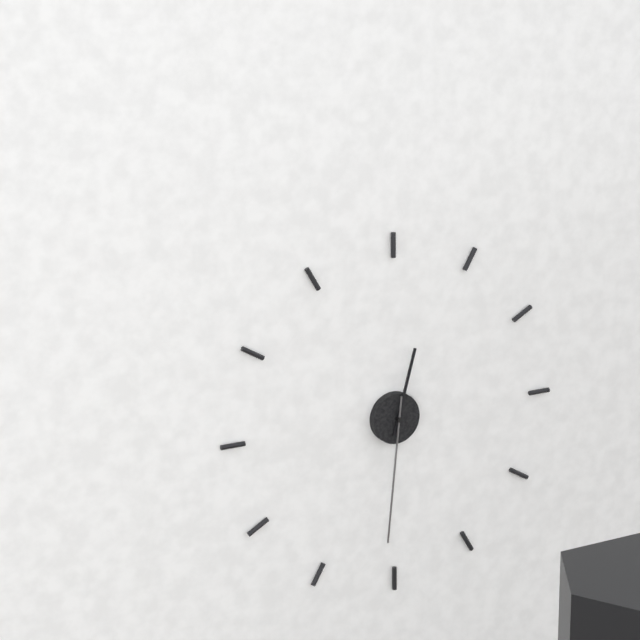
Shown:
**12:31**
